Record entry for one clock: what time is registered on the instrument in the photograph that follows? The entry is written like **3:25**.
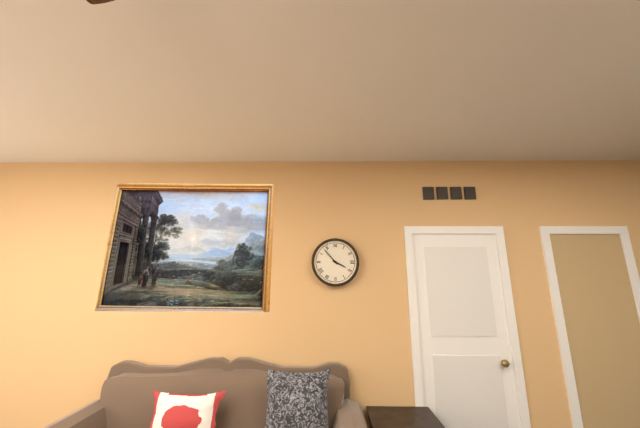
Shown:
**3:53**
